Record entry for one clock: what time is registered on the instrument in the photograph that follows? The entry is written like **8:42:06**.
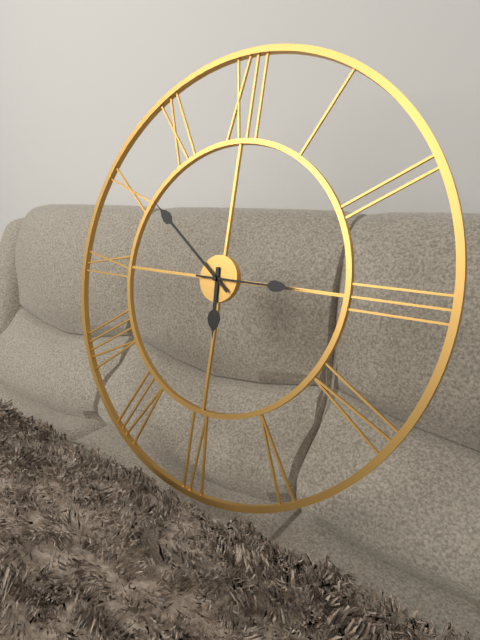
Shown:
**5:51:15**
